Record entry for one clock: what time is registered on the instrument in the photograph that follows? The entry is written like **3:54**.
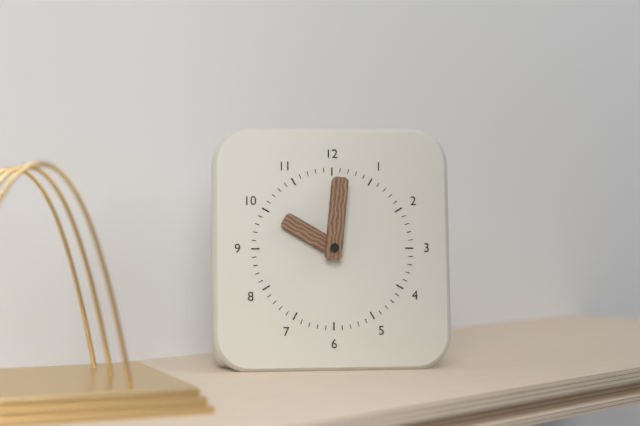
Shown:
**10:01**
